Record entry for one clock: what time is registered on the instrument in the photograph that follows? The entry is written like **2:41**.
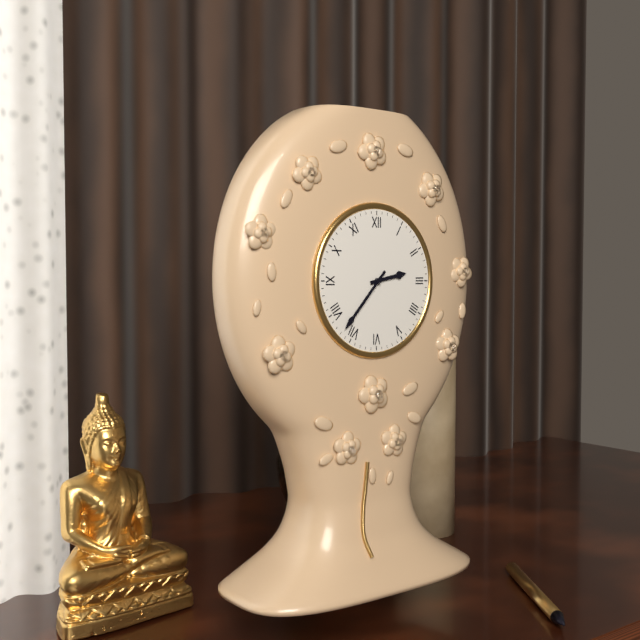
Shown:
**2:37**
